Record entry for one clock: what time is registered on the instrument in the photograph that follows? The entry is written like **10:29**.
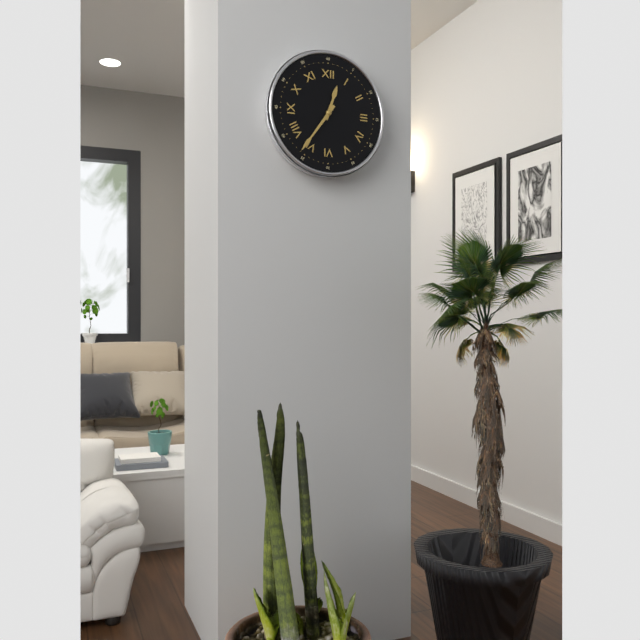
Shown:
**12:36**
